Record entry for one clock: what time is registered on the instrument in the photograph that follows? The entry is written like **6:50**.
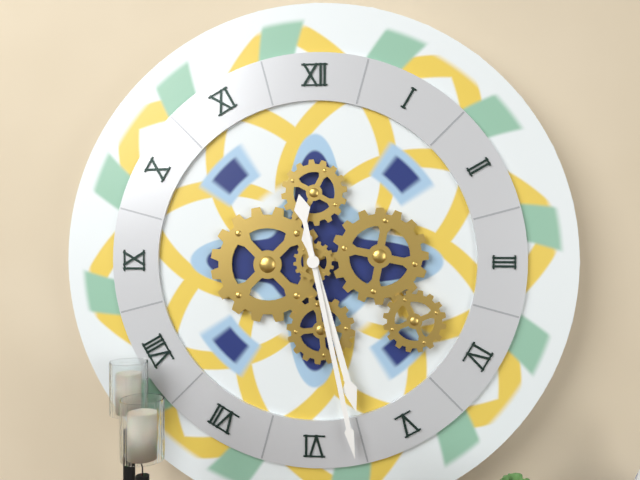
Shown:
**5:28**
